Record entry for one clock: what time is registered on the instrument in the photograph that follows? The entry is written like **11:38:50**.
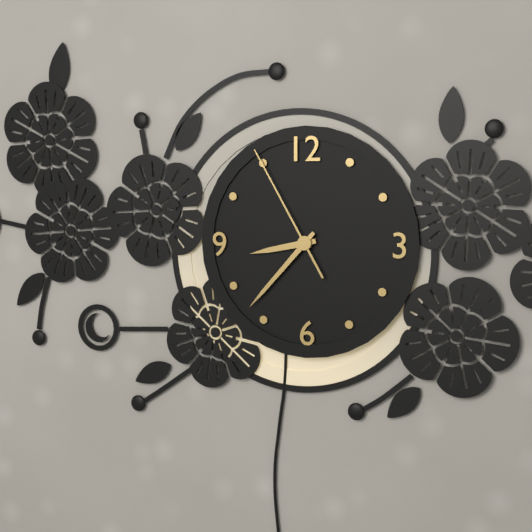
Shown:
**8:37:55**
